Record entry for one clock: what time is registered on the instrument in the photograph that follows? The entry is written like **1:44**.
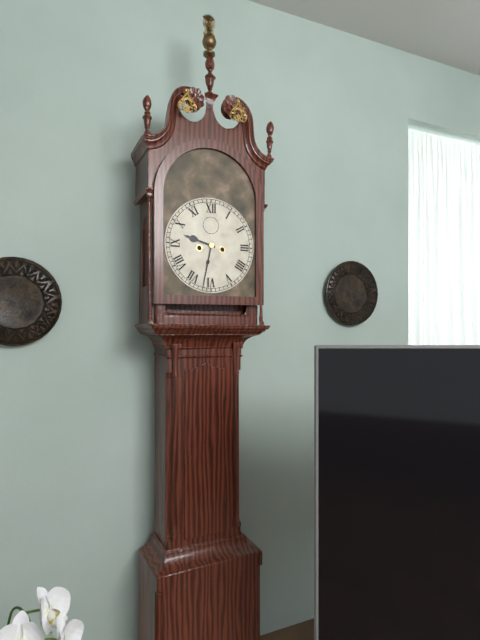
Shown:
**9:32**
